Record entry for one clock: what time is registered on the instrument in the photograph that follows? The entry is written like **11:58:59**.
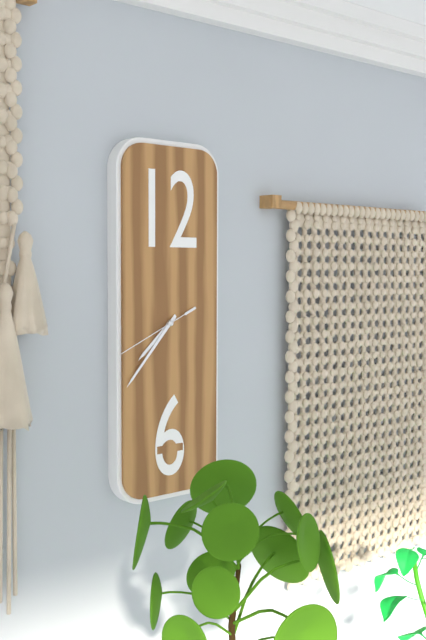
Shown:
**7:37:41**
